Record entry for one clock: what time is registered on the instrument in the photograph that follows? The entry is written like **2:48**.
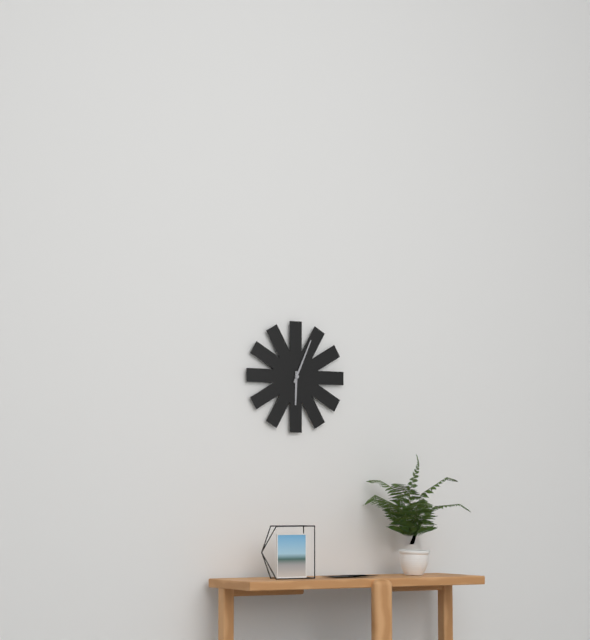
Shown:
**6:04**
